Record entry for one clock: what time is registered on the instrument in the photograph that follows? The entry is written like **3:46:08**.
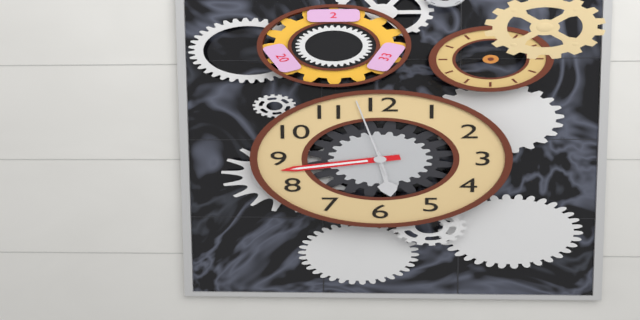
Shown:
**5:43:58**
